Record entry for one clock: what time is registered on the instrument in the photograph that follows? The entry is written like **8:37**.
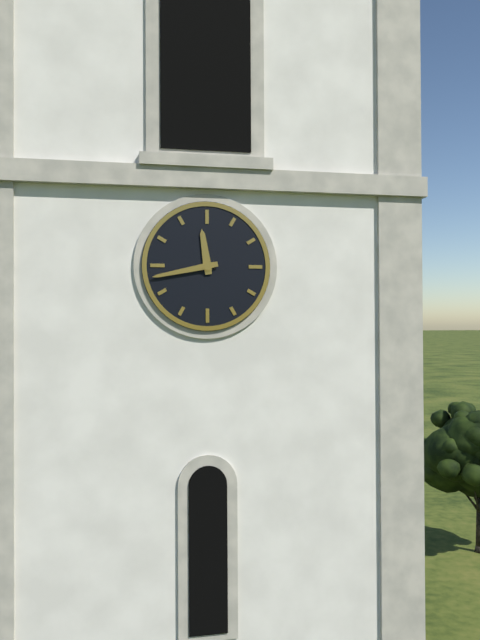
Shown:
**11:43**
